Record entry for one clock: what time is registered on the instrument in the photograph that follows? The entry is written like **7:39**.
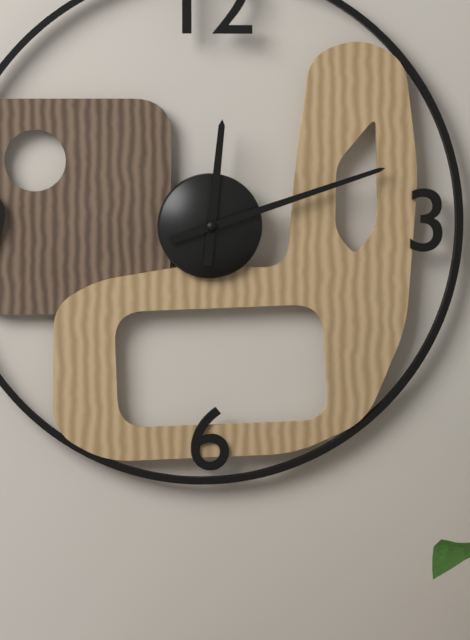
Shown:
**12:12**
